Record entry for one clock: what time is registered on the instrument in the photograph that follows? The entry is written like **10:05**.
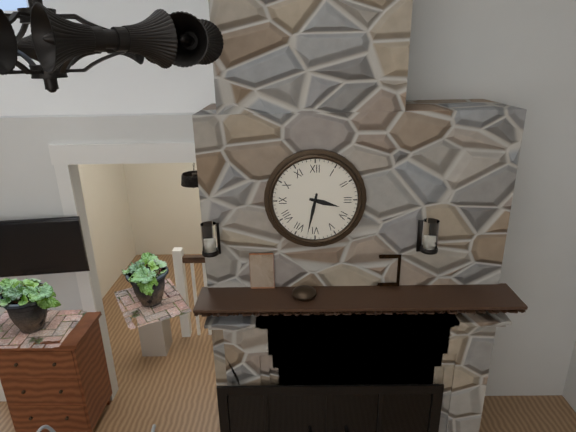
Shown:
**3:32**
